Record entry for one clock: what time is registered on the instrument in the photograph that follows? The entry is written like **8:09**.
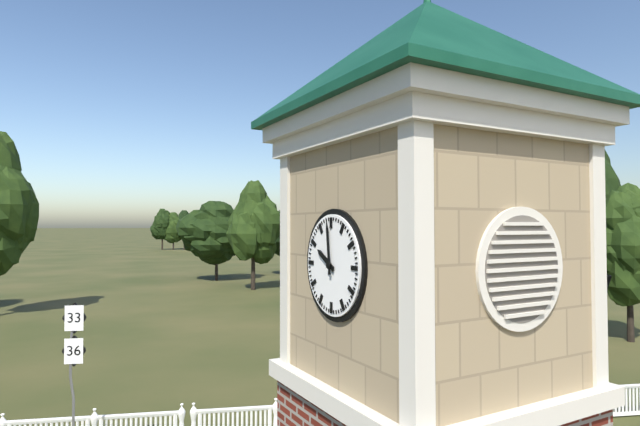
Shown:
**9:59**
